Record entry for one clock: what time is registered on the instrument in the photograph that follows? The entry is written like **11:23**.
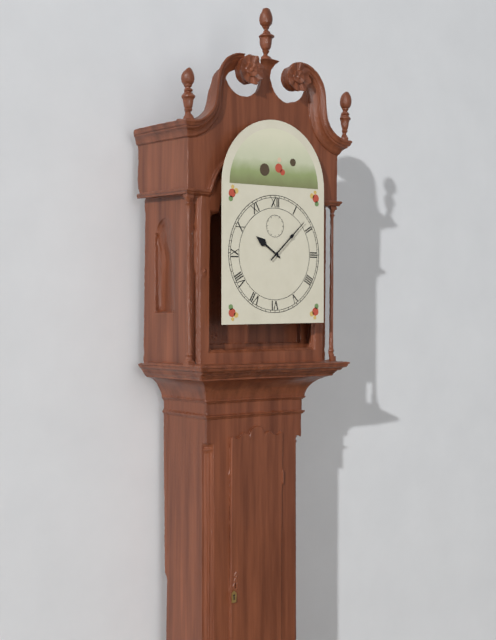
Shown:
**10:08**
